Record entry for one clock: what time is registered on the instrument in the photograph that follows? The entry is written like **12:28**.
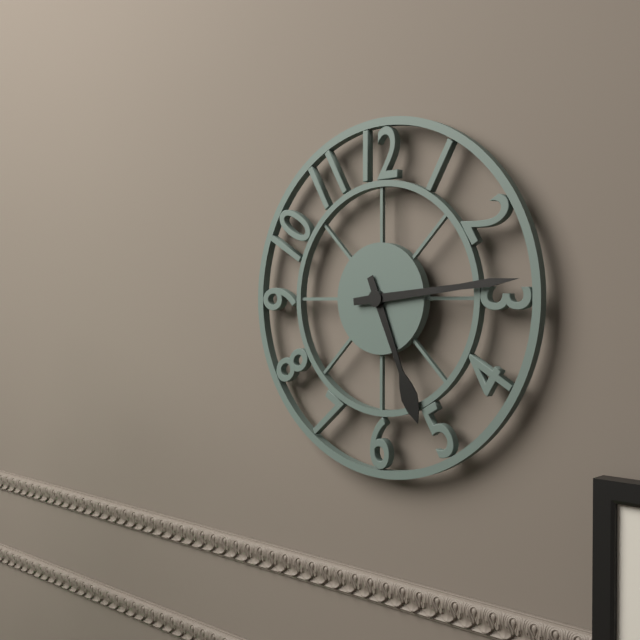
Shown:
**5:14**
